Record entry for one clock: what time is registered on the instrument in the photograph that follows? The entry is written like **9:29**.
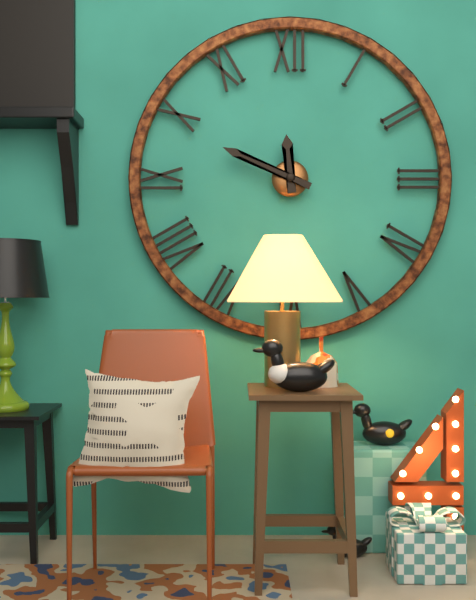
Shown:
**11:49**
